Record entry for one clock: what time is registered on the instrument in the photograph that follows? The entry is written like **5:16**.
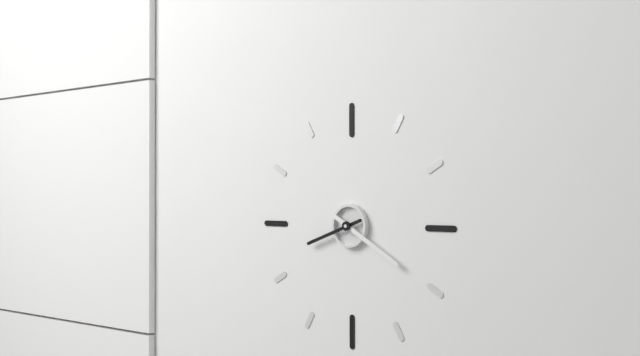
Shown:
**8:20**
